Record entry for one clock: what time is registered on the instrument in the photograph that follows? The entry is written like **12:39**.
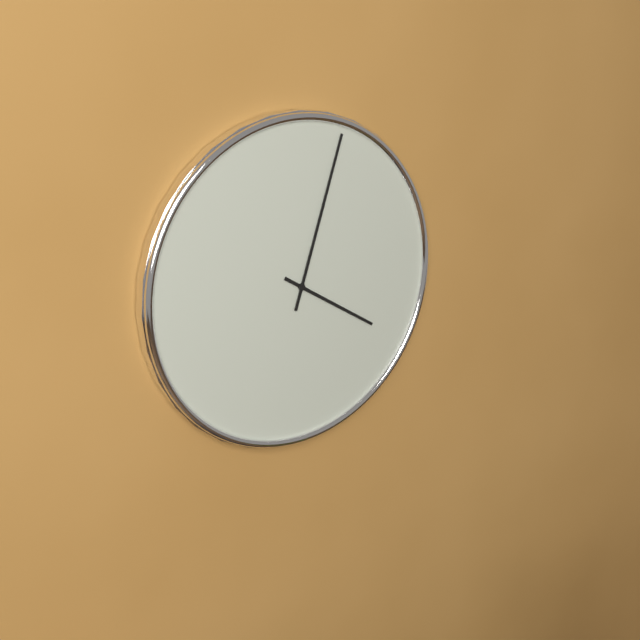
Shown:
**4:03**
